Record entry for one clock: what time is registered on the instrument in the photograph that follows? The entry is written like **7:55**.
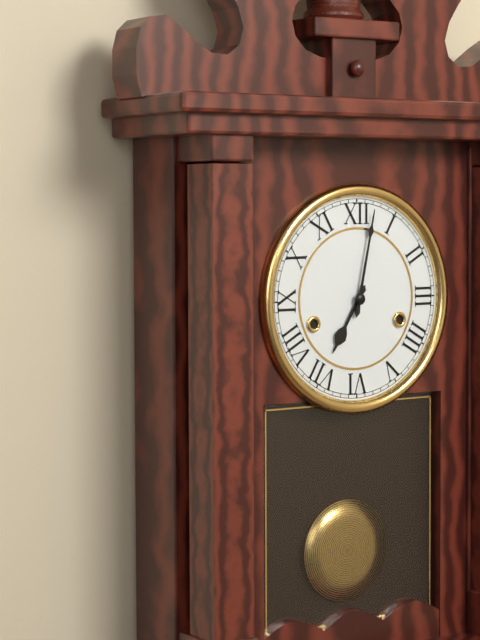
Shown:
**7:02**
